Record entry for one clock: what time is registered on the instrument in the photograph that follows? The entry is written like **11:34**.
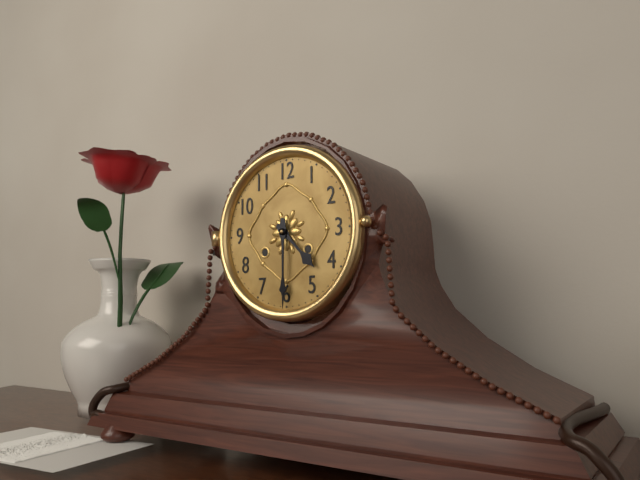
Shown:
**4:30**
